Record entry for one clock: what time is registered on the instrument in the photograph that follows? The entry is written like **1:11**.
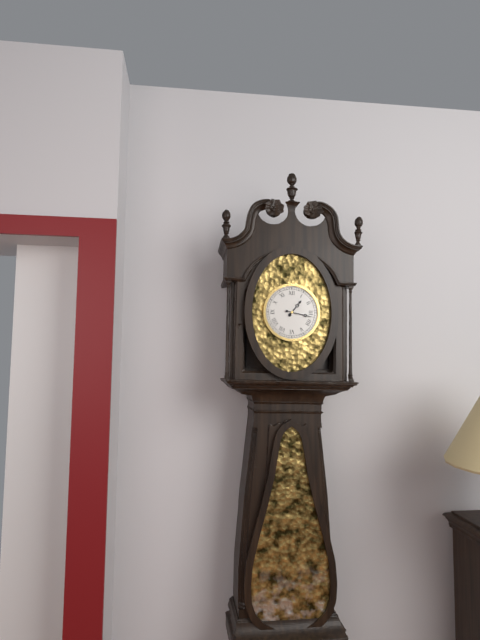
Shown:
**1:17**
